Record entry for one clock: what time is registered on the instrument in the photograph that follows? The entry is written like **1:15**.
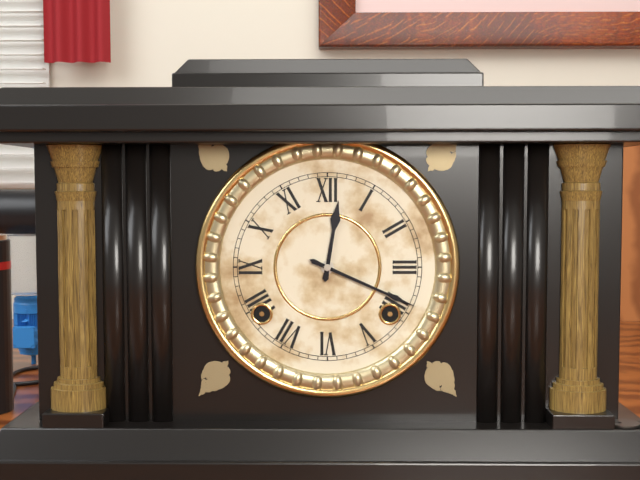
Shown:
**12:19**
